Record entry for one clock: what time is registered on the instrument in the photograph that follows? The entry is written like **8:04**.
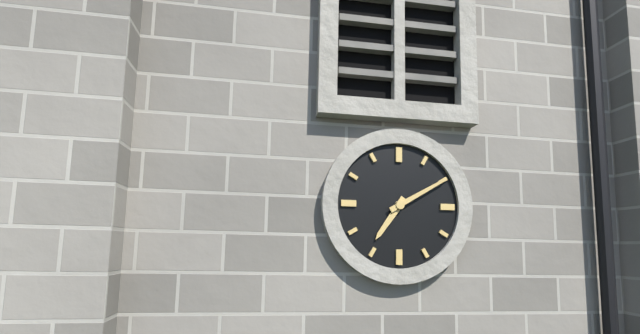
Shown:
**7:10**
